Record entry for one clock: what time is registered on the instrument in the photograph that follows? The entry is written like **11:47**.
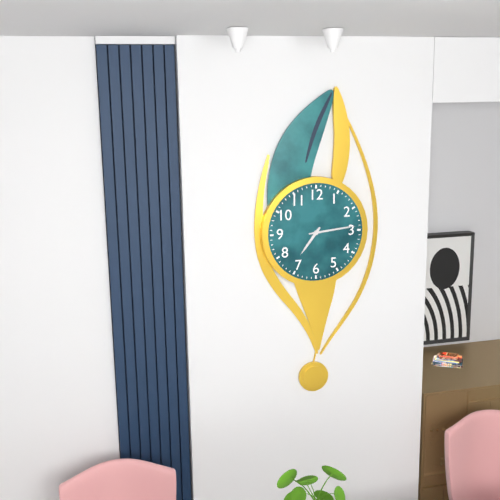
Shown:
**7:14**
